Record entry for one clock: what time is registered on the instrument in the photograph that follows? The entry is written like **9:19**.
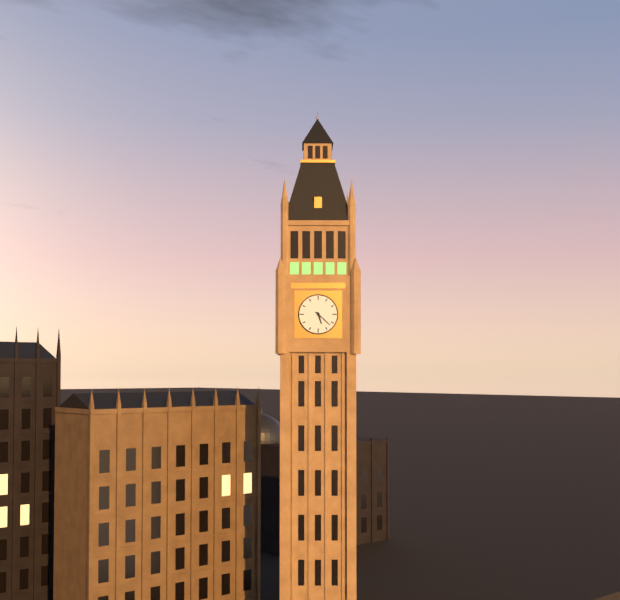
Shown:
**5:22**
